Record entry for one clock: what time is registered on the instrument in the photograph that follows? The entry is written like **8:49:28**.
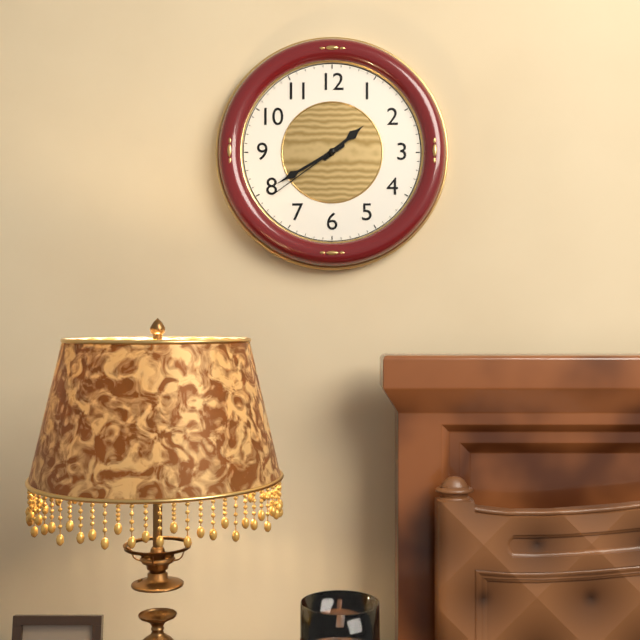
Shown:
**1:40:39**
